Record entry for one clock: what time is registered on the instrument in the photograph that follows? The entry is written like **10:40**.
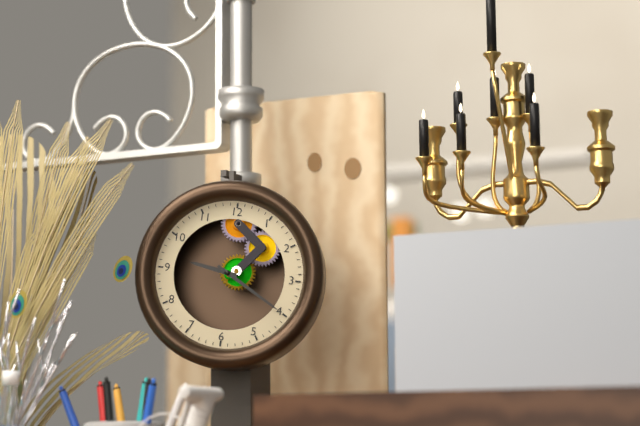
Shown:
**9:20**
